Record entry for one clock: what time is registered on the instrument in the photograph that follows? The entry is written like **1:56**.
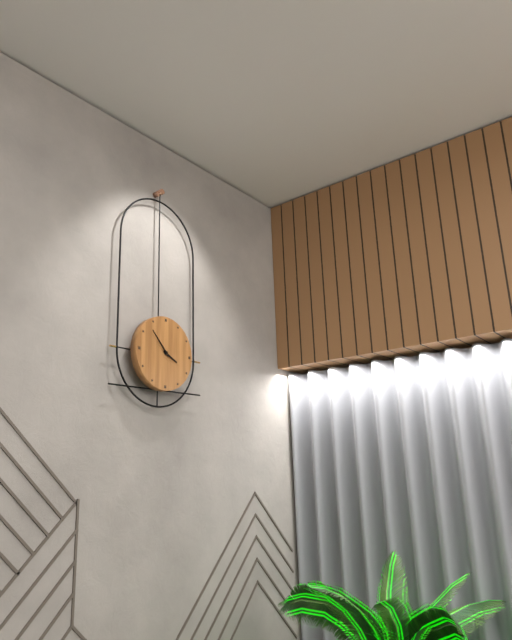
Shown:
**3:53**
